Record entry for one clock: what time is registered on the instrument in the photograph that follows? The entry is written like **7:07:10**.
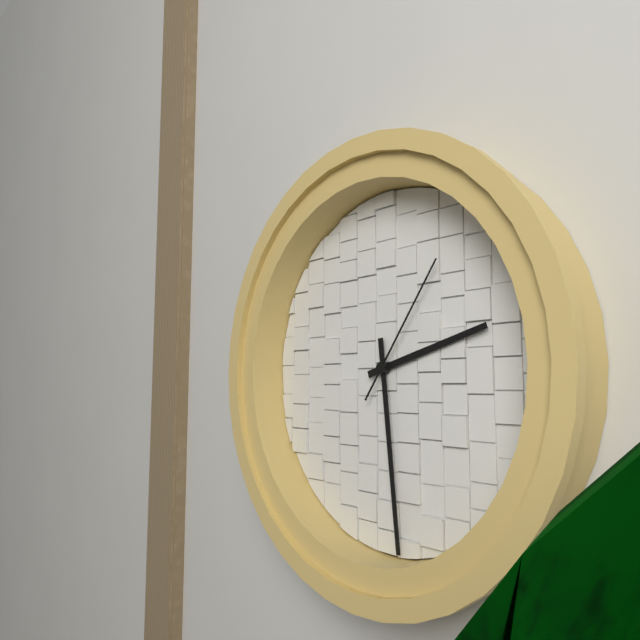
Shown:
**2:29:06**
